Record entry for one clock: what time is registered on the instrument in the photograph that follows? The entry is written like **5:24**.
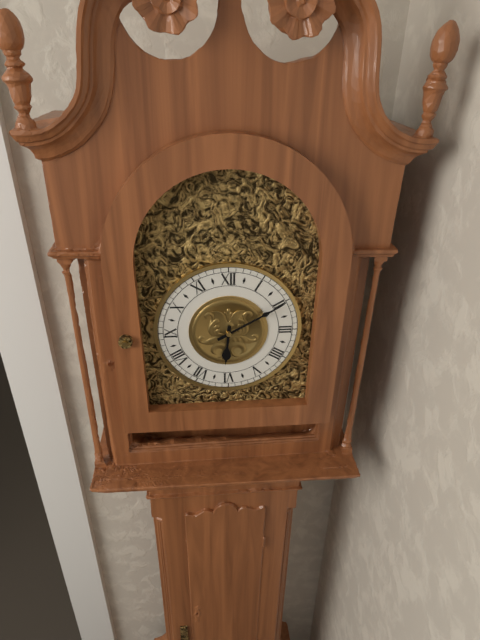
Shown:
**6:10**
